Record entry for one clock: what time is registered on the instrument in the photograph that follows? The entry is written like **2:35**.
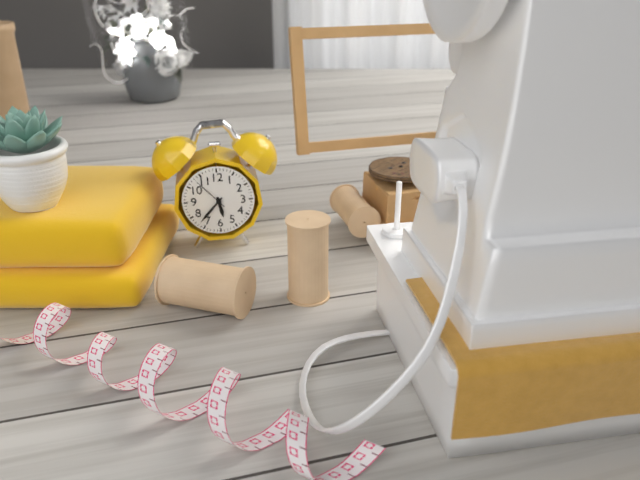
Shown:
**5:37**
